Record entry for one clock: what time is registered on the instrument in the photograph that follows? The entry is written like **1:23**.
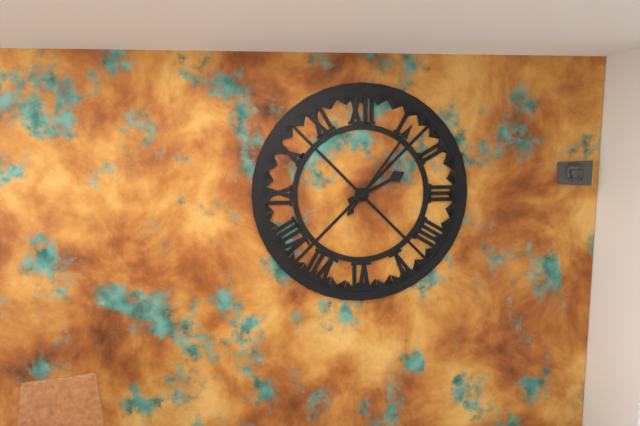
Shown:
**2:06**
